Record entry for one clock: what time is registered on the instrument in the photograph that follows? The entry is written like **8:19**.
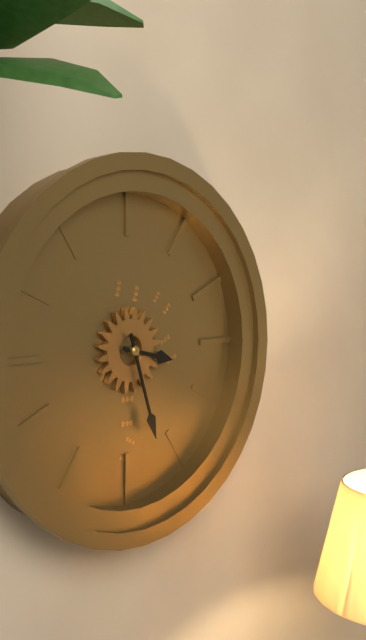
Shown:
**3:27**
